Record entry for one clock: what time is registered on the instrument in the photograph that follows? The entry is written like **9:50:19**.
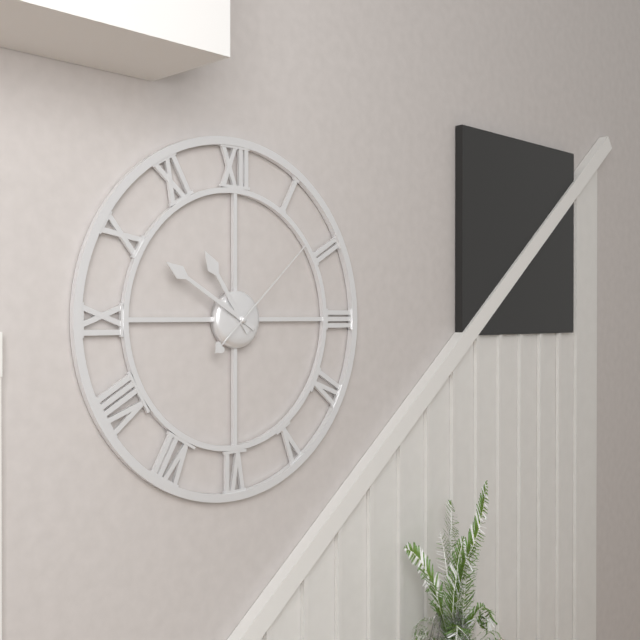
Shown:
**10:50:08**
